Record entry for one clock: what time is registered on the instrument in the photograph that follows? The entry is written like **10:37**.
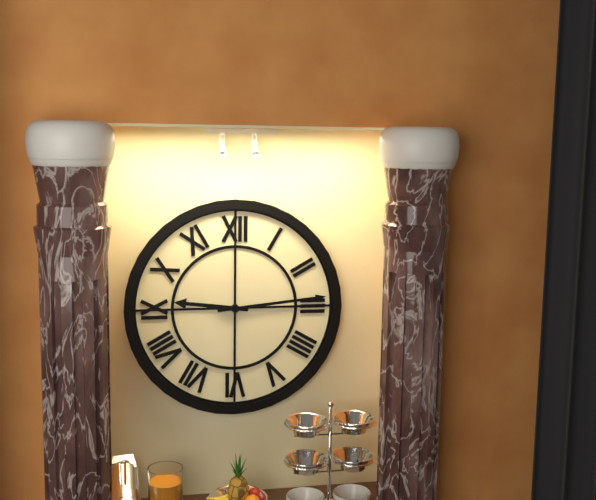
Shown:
**9:14**
